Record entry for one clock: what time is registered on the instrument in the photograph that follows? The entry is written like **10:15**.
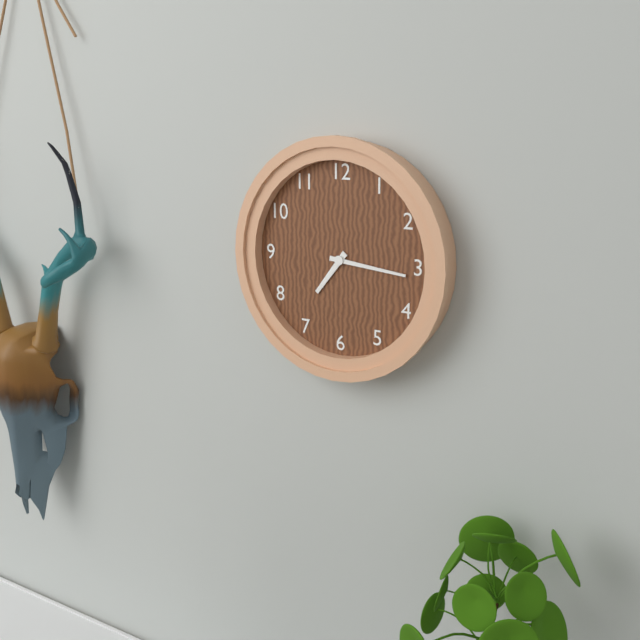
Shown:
**7:16**
